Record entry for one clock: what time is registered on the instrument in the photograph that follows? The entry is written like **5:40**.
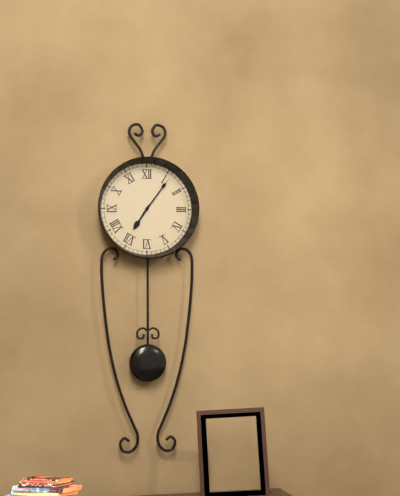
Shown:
**7:06**
